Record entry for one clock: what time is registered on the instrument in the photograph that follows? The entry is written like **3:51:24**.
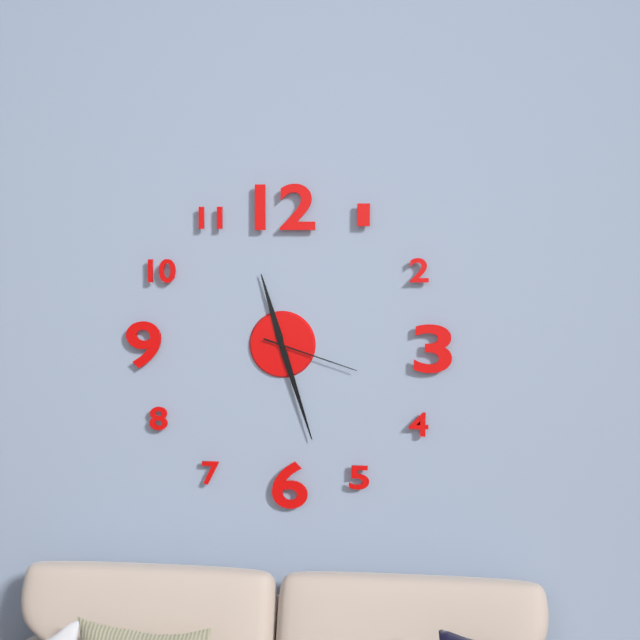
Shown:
**11:27:18**
